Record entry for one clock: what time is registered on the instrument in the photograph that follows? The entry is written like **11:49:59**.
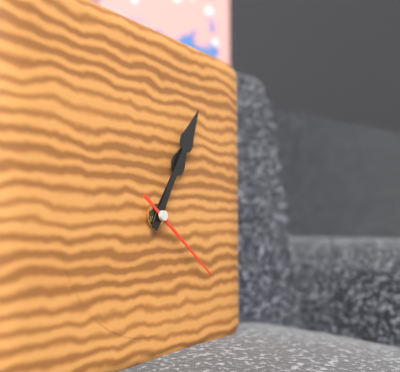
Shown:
**1:05:21**
